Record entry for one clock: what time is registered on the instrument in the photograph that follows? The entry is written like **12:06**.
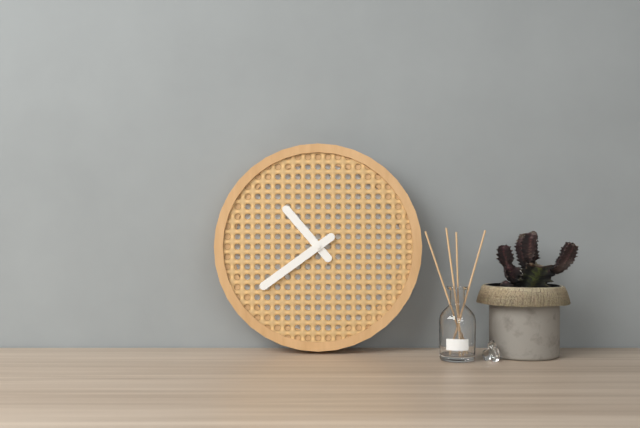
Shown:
**10:39**
